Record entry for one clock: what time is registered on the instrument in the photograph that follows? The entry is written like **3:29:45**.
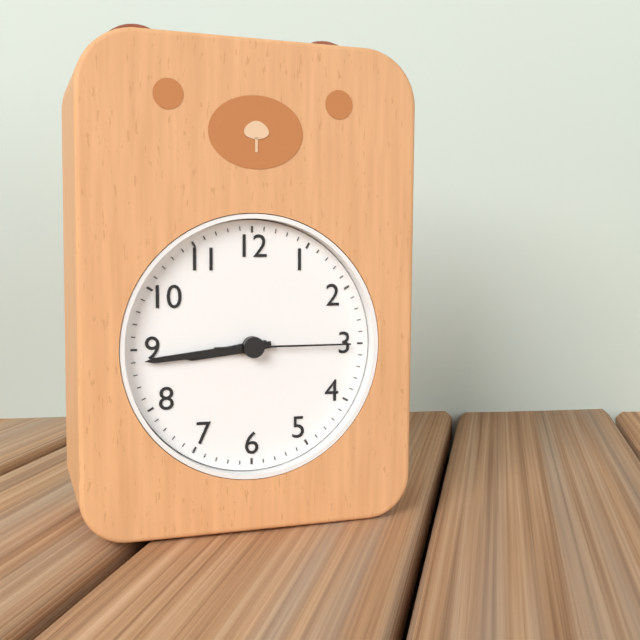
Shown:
**8:44:15**
